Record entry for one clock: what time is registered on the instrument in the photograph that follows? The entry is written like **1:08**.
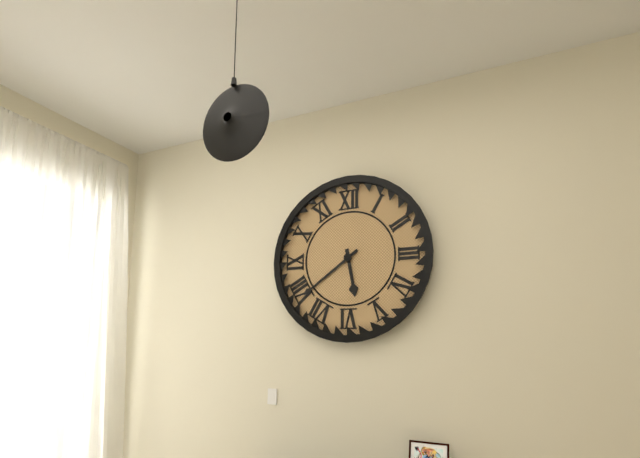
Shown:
**5:39**
